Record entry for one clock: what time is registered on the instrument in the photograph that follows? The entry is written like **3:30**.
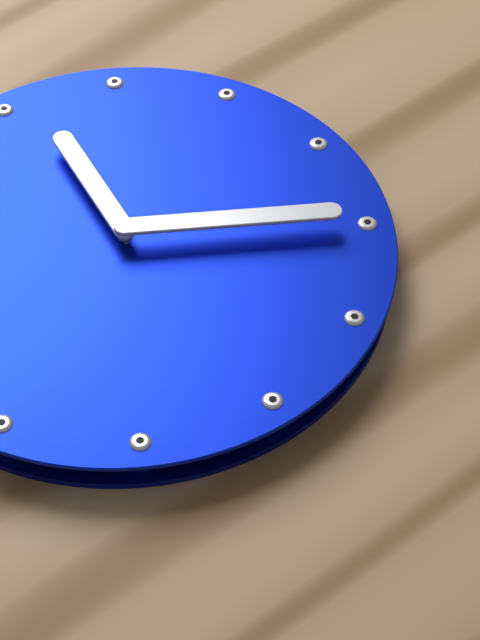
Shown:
**11:15**
